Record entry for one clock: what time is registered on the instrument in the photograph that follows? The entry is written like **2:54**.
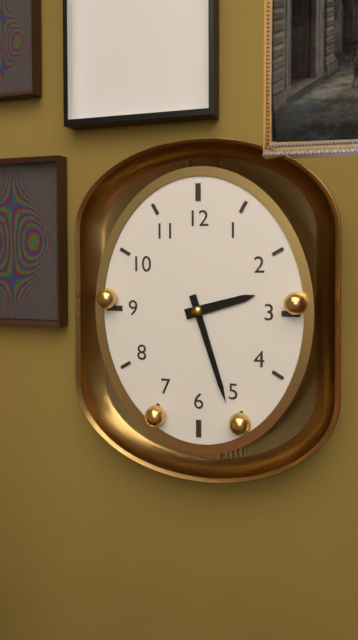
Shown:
**2:27**
